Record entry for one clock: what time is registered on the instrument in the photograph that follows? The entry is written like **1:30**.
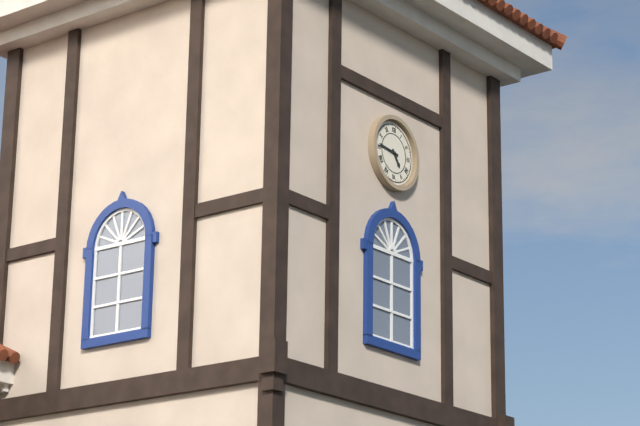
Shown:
**4:46**
